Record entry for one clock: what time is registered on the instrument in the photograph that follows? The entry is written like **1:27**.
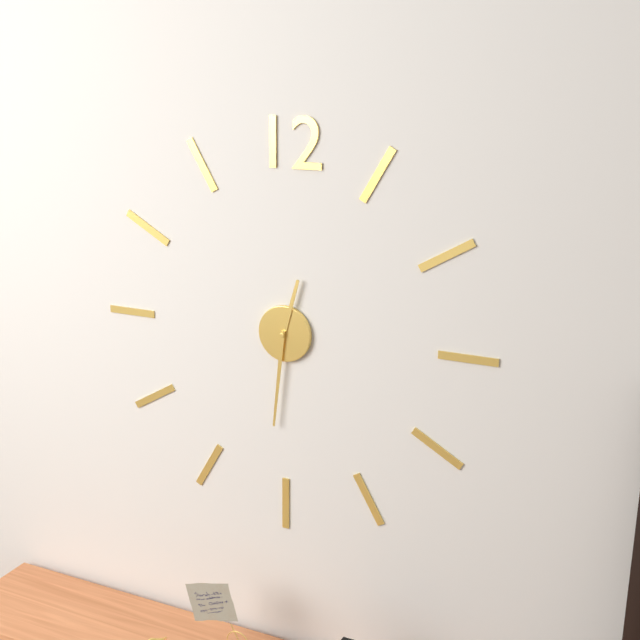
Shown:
**12:31**
